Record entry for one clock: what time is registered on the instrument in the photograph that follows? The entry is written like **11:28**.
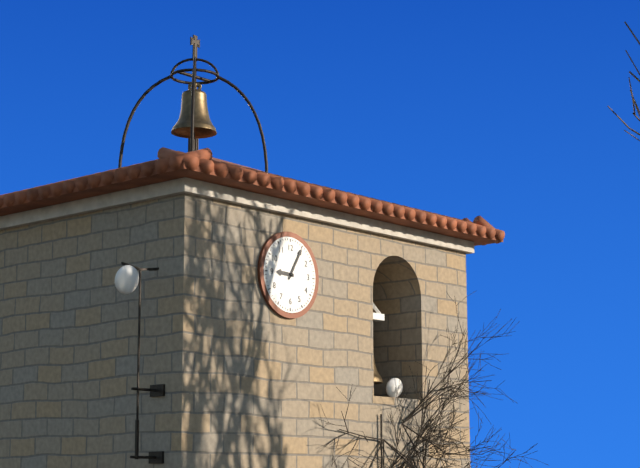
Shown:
**9:05**
